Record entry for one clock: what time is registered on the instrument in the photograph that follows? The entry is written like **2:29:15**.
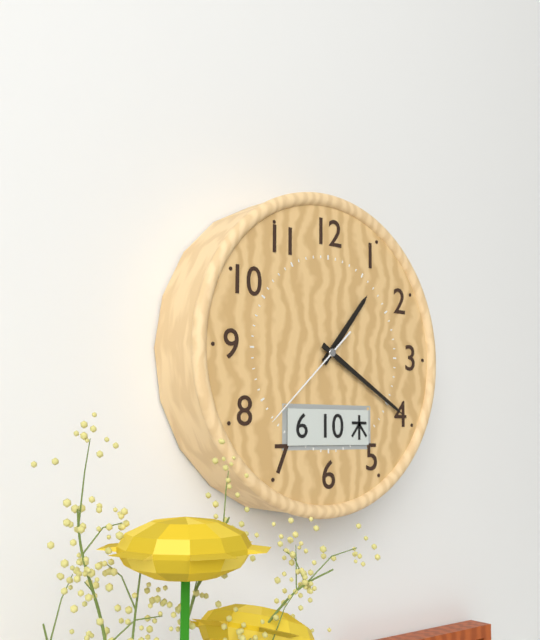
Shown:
**1:20:38**
